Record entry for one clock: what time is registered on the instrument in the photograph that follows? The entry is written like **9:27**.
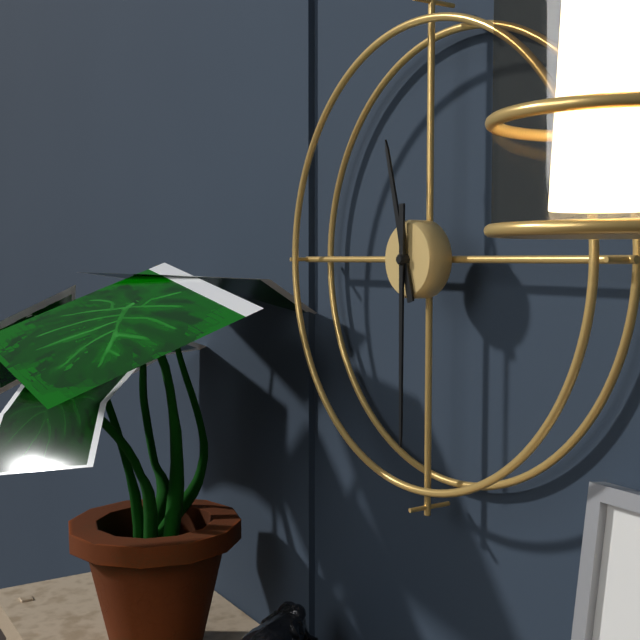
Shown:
**11:30**
